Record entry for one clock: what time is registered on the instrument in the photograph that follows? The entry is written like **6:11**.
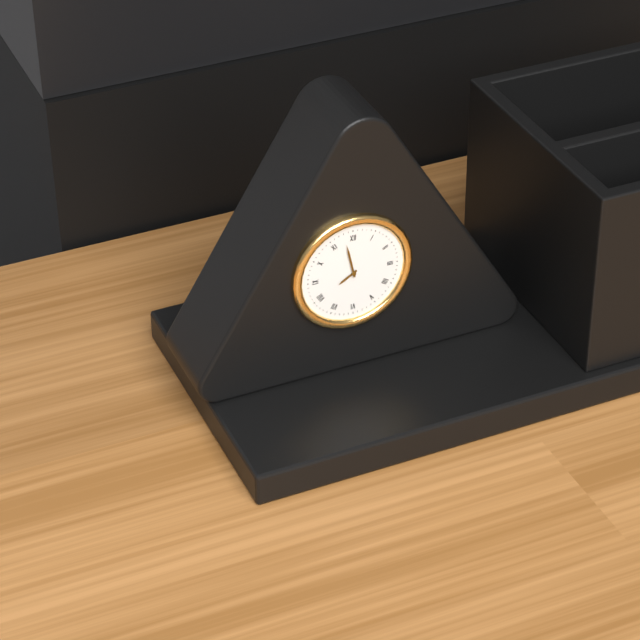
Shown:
**7:58**
